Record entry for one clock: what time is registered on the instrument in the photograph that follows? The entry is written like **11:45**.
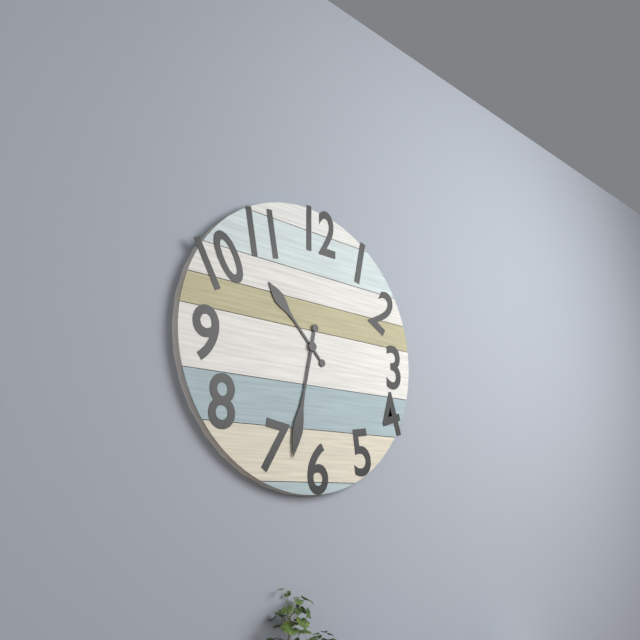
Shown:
**10:32**
